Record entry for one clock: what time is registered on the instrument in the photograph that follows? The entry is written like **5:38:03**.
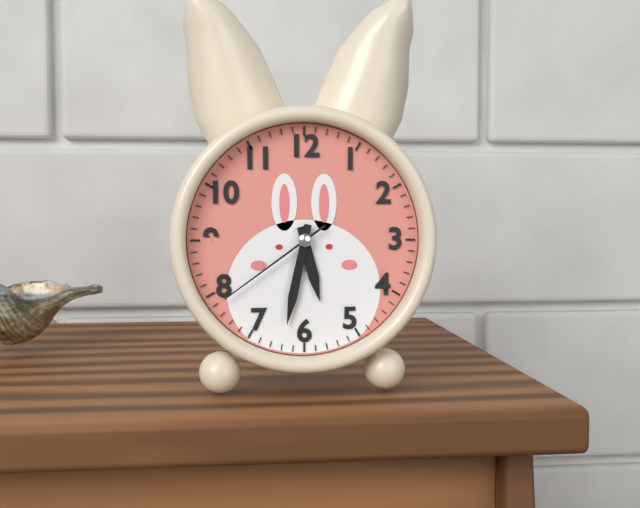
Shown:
**5:32:39**
